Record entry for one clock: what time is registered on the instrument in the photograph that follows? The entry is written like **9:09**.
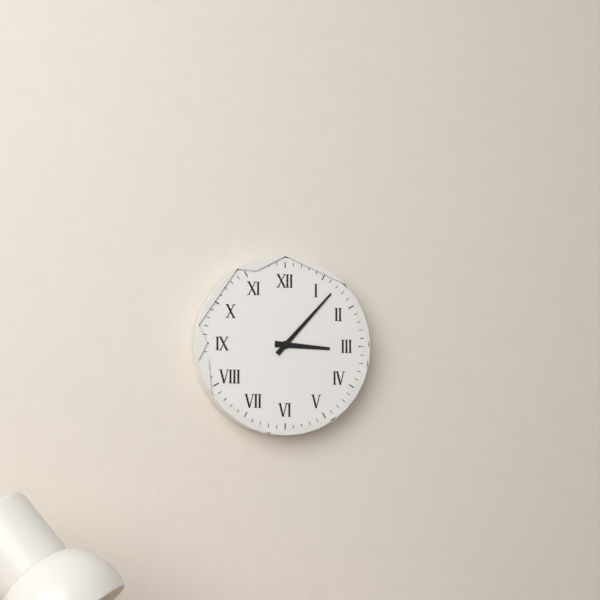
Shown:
**3:07**
